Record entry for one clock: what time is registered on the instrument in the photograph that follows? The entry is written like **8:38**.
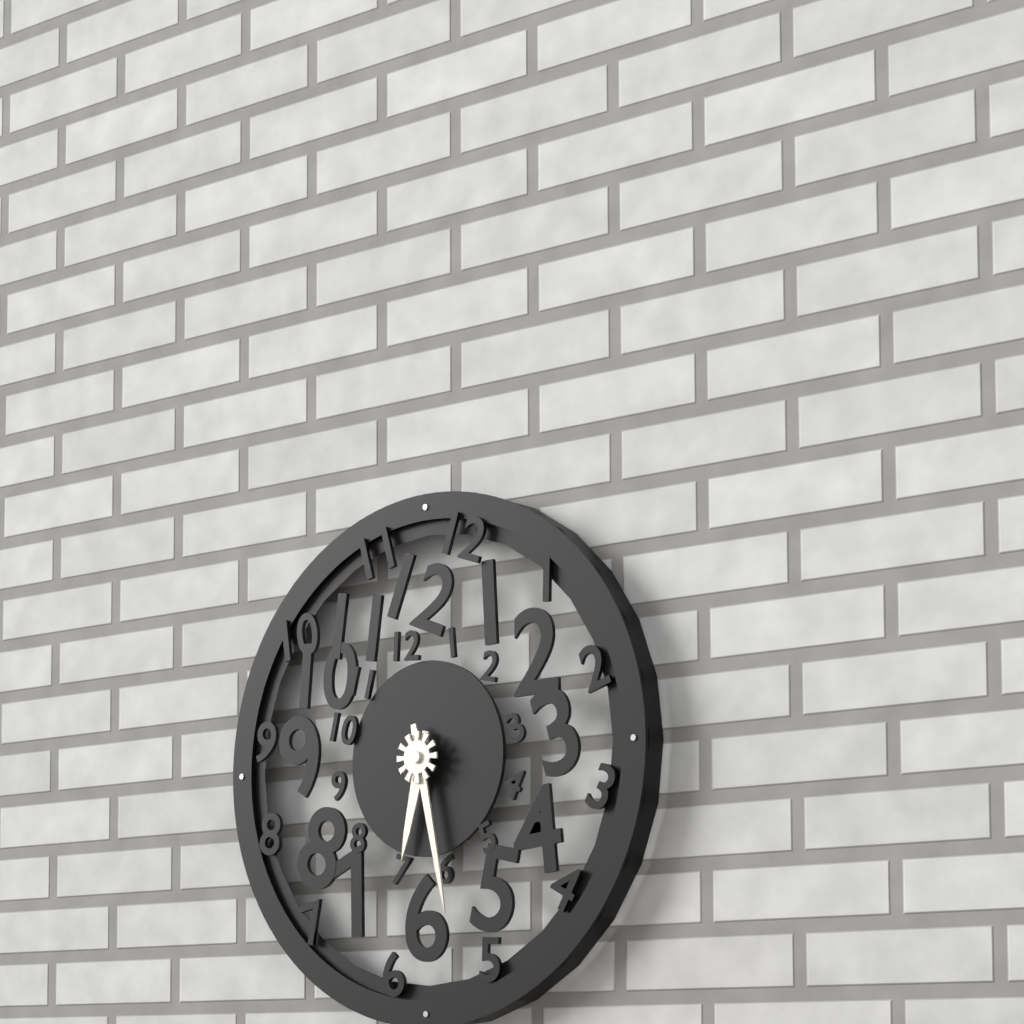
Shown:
**6:28**
